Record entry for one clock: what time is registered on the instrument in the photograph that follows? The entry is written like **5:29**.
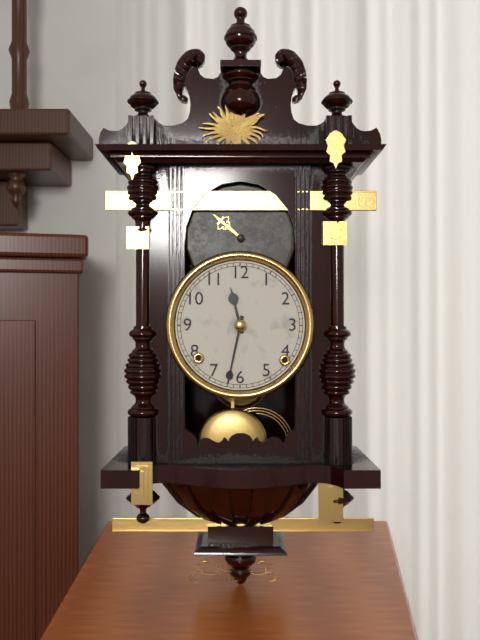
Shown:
**11:32**
